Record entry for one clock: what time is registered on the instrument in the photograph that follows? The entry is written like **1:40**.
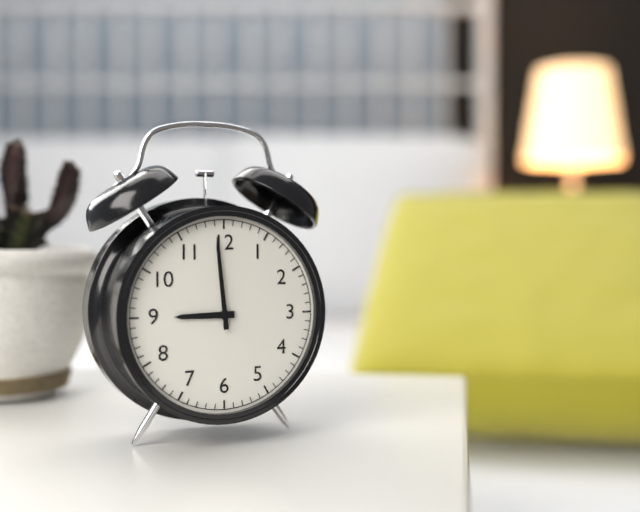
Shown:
**8:59**
